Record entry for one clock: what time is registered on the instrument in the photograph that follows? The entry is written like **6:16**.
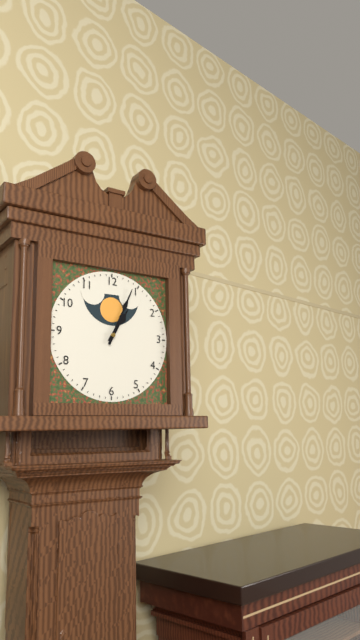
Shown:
**1:04**
